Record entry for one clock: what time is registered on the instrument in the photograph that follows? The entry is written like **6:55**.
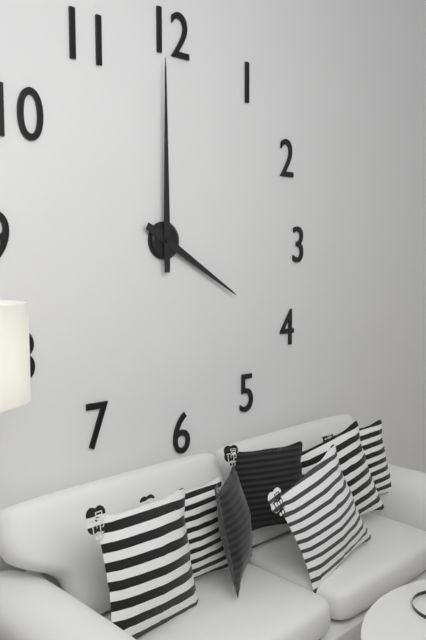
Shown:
**4:00**
